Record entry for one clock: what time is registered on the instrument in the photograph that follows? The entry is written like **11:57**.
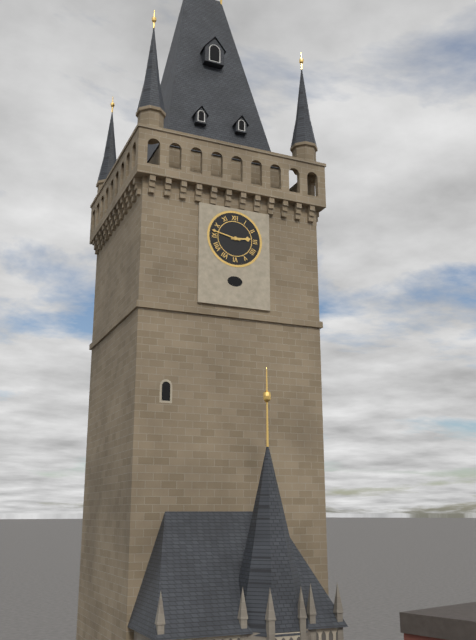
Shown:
**2:47**
